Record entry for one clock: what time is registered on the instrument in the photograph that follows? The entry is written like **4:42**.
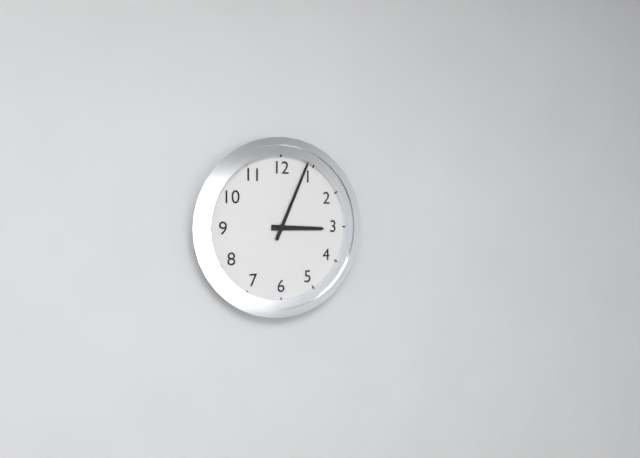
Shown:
**3:04**
